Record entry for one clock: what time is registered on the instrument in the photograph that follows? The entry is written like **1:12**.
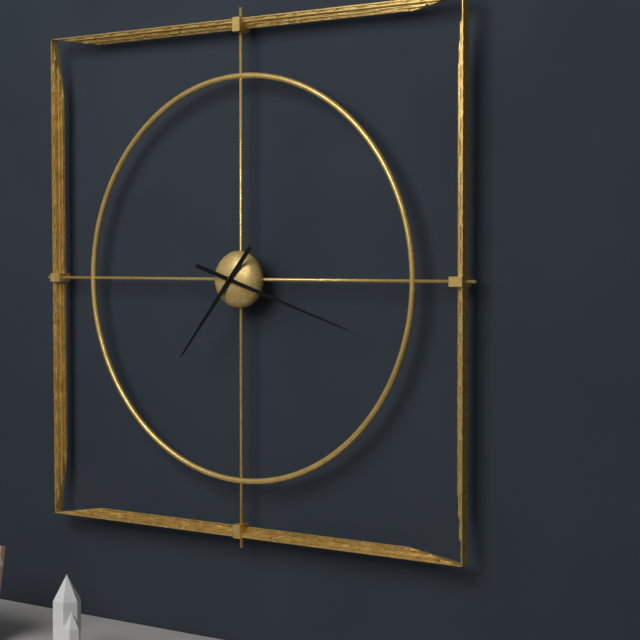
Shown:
**7:18**
